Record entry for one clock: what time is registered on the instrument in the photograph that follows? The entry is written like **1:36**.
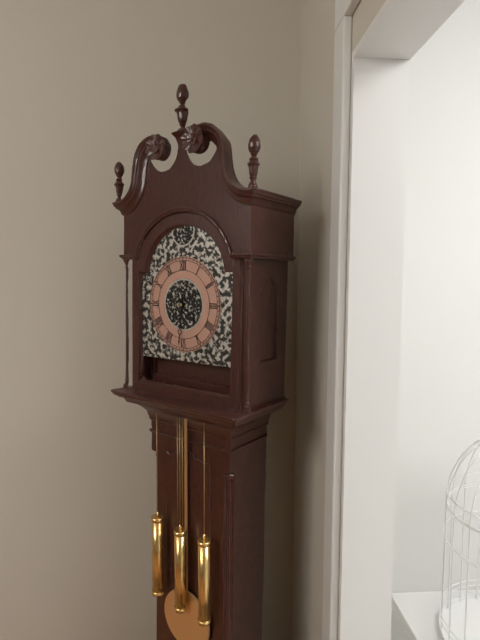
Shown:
**4:31**
